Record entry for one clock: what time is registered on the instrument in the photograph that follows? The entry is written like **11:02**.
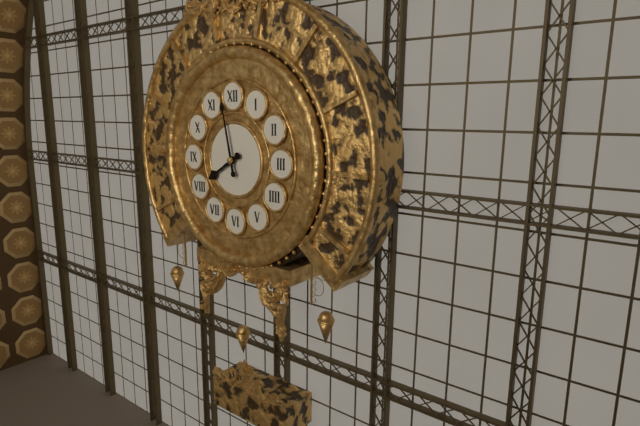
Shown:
**7:58**
